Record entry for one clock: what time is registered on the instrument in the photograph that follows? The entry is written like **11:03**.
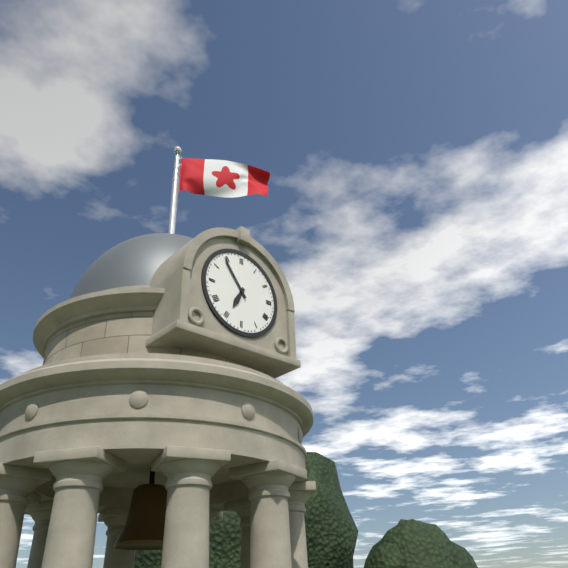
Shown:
**6:54**
